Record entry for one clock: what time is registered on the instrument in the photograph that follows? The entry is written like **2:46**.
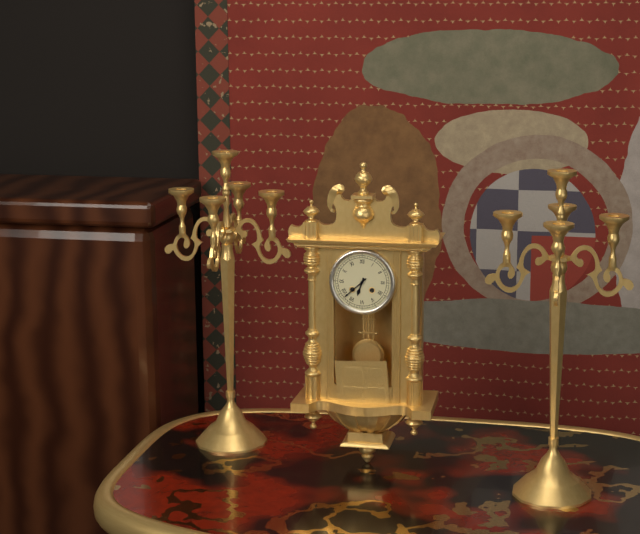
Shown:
**6:38**
